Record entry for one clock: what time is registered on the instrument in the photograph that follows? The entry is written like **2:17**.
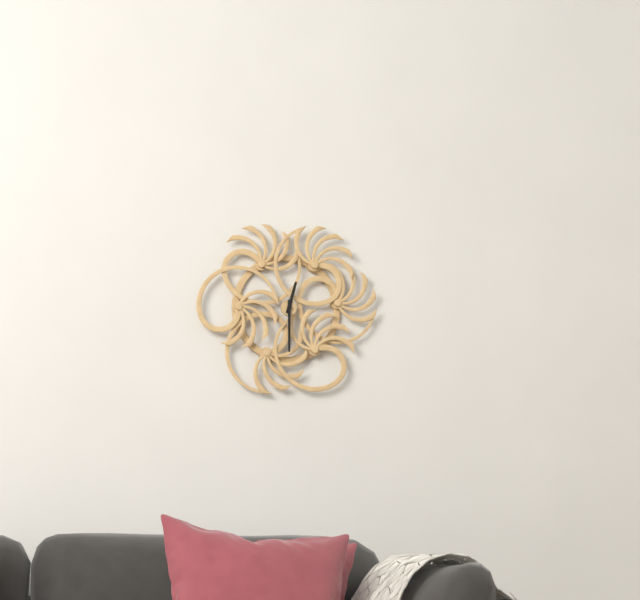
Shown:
**12:30**
